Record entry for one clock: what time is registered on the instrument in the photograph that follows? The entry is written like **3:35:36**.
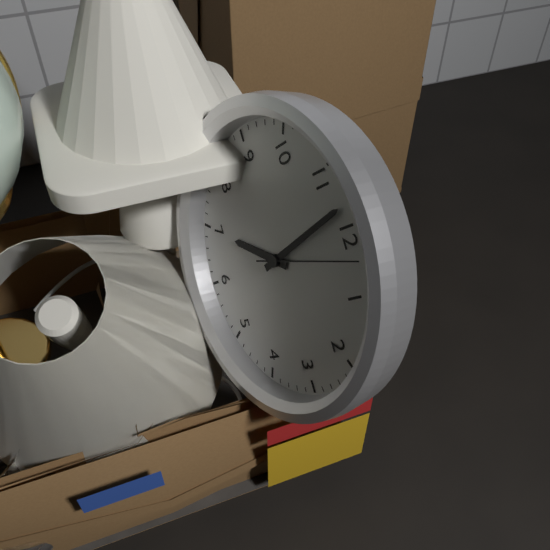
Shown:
**6:58:02**
